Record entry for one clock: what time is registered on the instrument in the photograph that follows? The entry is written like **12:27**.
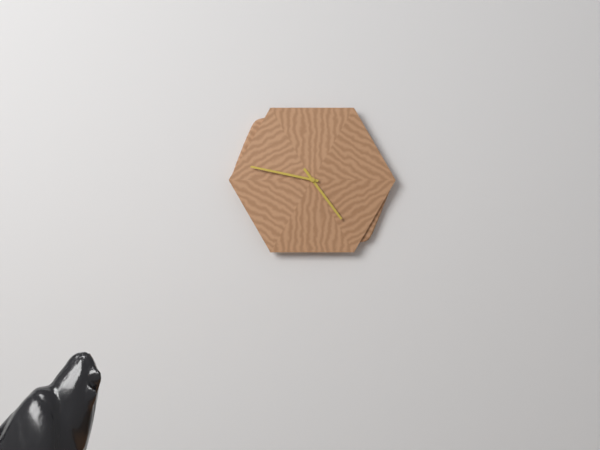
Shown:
**4:47**
